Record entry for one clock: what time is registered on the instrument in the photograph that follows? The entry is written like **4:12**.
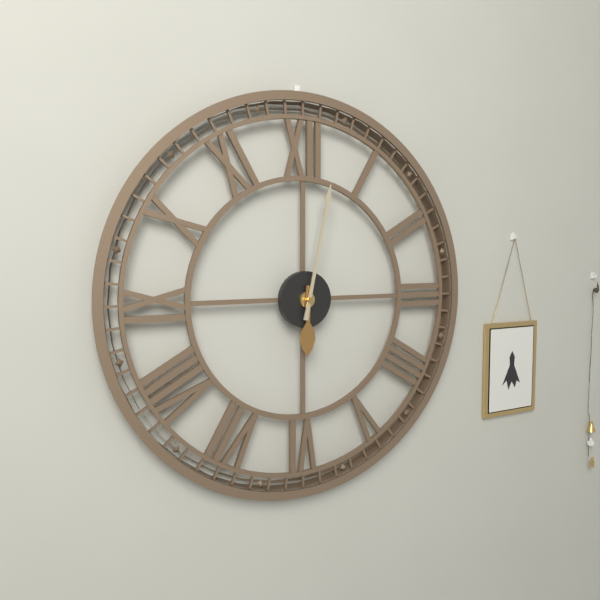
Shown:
**6:02**
